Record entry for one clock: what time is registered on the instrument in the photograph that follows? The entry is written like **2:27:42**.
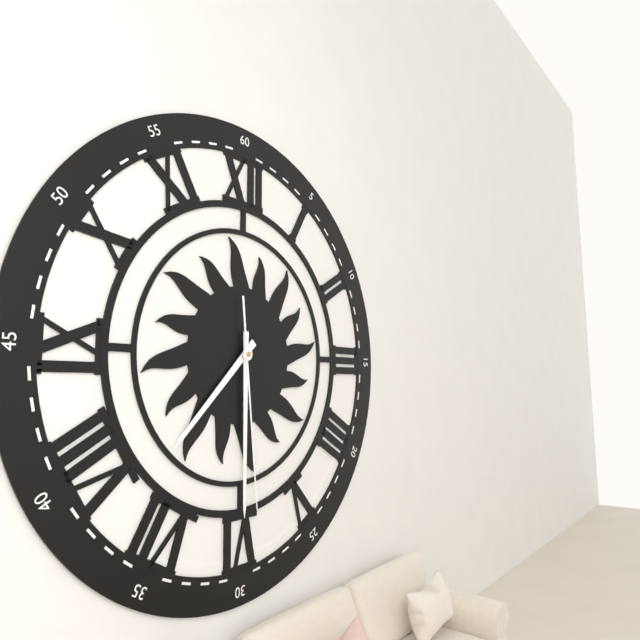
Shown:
**7:30:29**
